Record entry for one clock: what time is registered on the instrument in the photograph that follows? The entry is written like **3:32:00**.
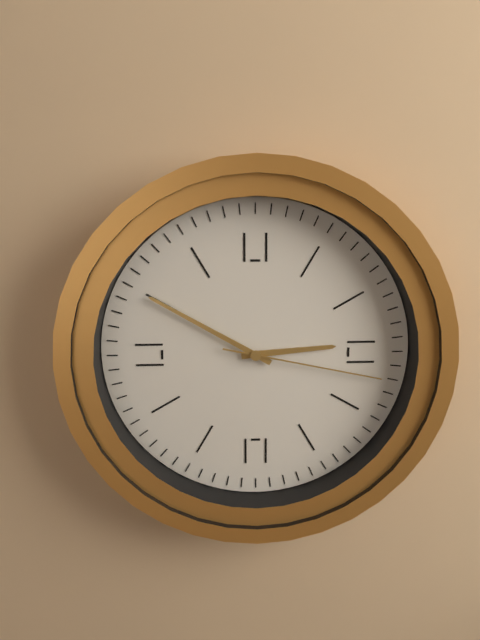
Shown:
**2:50:17**
